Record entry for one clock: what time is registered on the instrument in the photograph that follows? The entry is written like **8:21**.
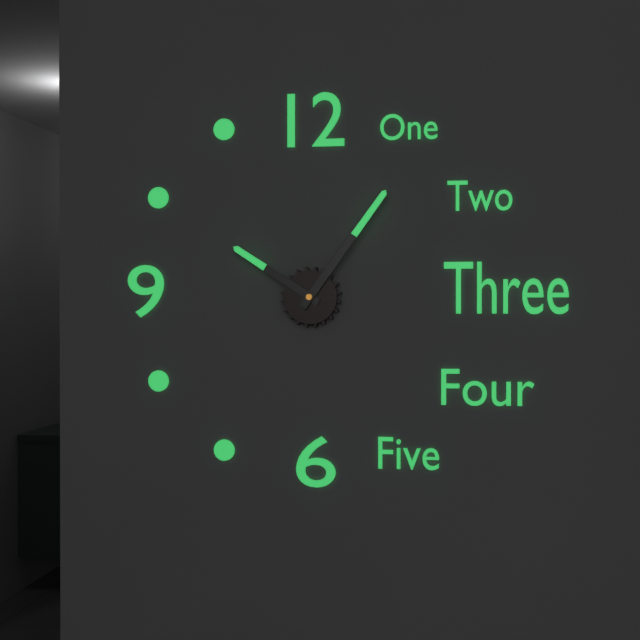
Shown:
**10:06**
